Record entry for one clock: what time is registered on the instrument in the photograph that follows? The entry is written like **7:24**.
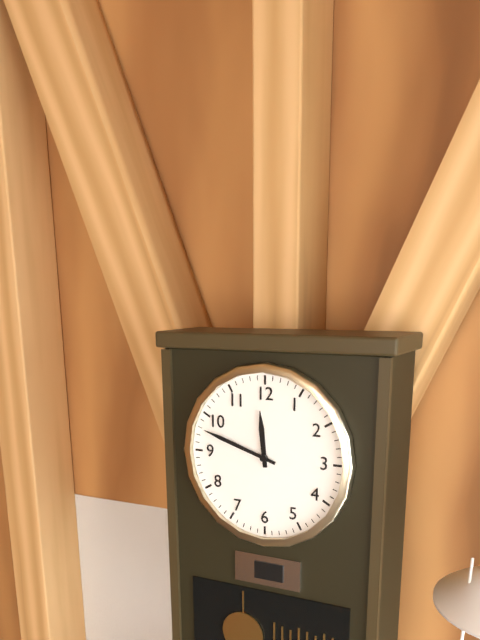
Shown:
**11:48**
